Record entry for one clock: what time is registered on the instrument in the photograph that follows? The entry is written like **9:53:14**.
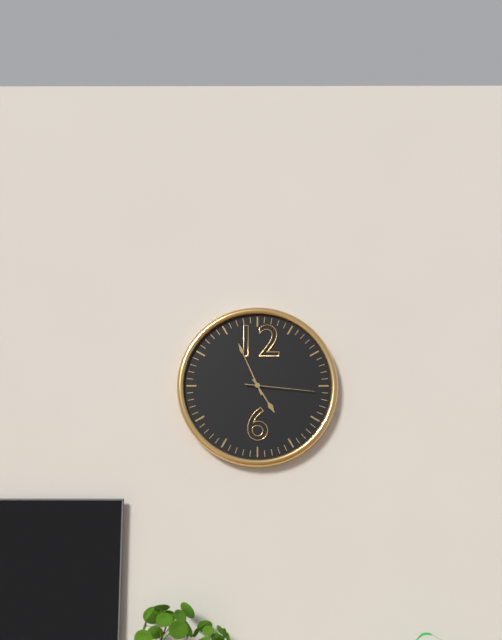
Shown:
**4:56:16**
